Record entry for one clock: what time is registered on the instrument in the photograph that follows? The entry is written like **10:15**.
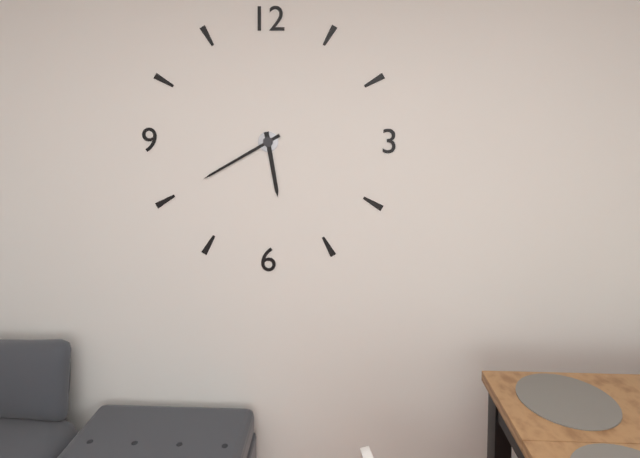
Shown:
**5:40**
